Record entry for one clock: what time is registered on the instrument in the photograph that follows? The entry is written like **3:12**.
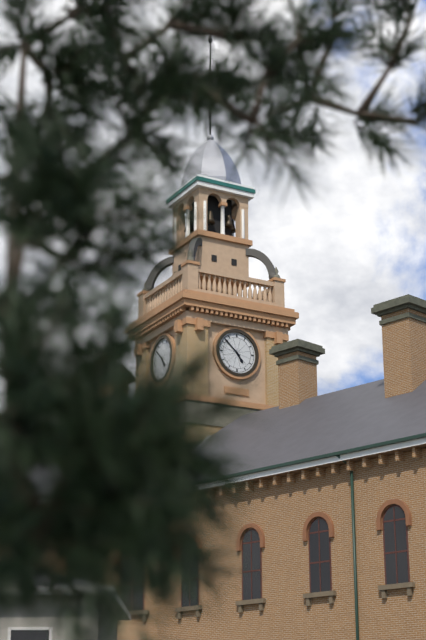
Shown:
**4:52**
